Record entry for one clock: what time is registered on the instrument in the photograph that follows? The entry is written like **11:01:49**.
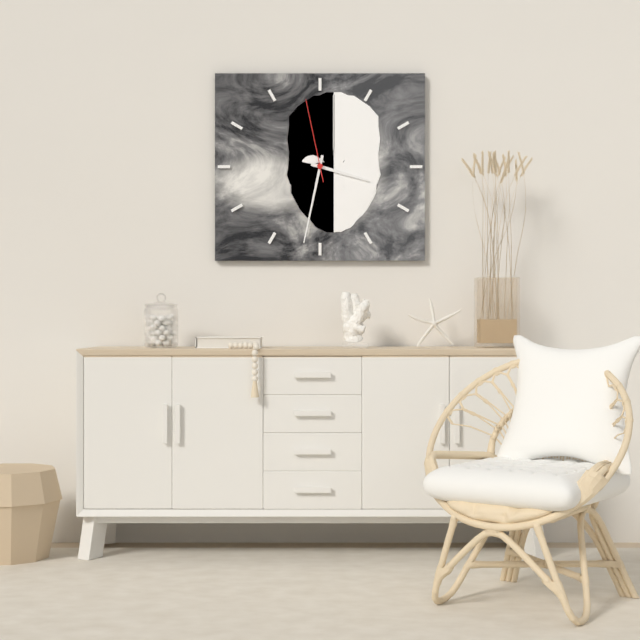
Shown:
**3:32:58**
